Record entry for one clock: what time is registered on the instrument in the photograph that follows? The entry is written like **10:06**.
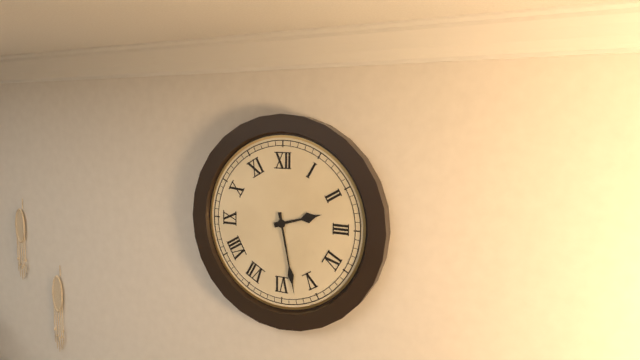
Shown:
**2:28**
